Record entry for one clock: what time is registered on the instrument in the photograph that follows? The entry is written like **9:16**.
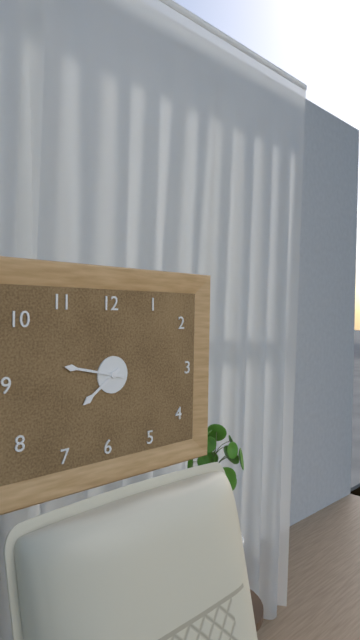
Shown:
**7:47**
